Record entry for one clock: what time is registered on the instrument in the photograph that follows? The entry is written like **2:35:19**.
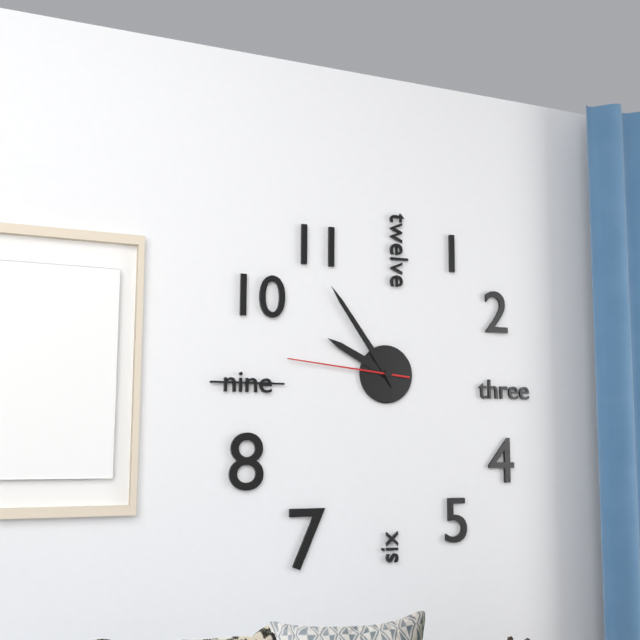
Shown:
**9:54:46**
